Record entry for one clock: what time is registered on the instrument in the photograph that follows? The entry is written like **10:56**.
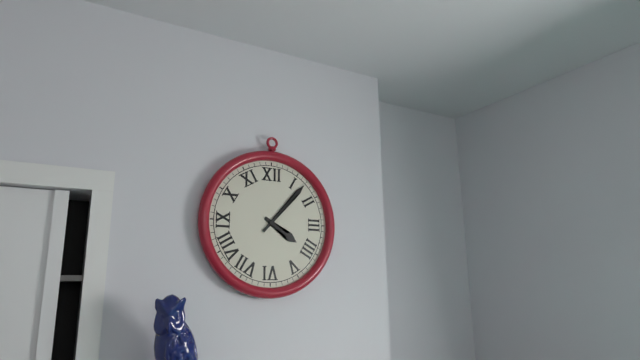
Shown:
**4:07**
